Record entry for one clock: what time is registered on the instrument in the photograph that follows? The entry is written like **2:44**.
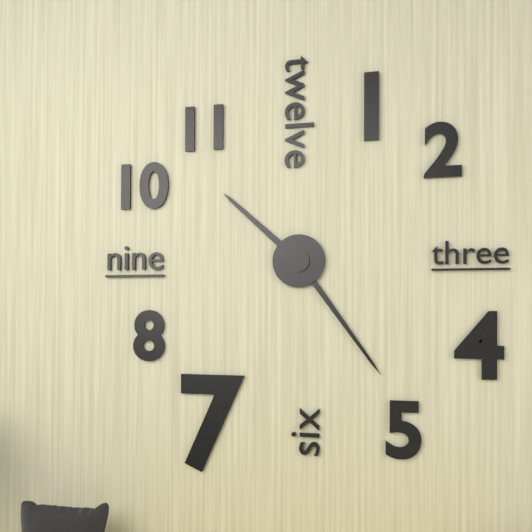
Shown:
**10:24**
